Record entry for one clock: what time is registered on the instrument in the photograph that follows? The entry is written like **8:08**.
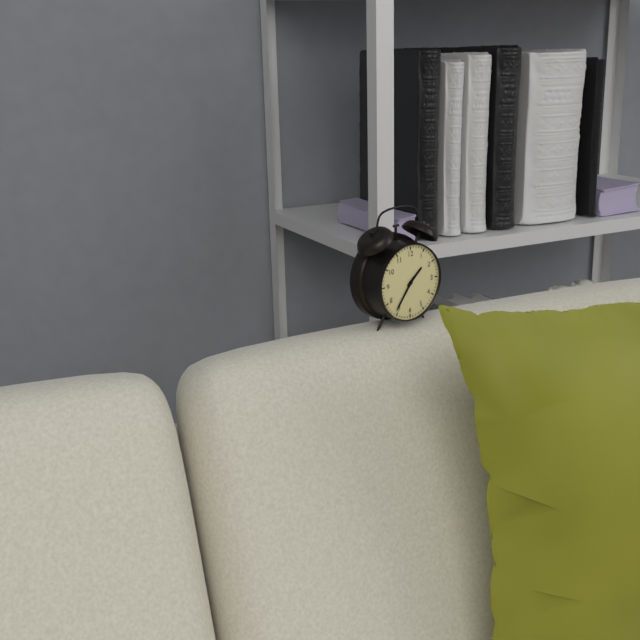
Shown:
**1:36**
